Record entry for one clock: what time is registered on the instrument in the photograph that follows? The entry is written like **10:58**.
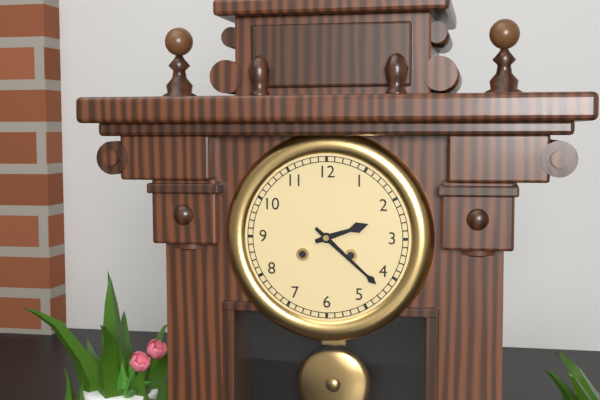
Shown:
**2:22**
